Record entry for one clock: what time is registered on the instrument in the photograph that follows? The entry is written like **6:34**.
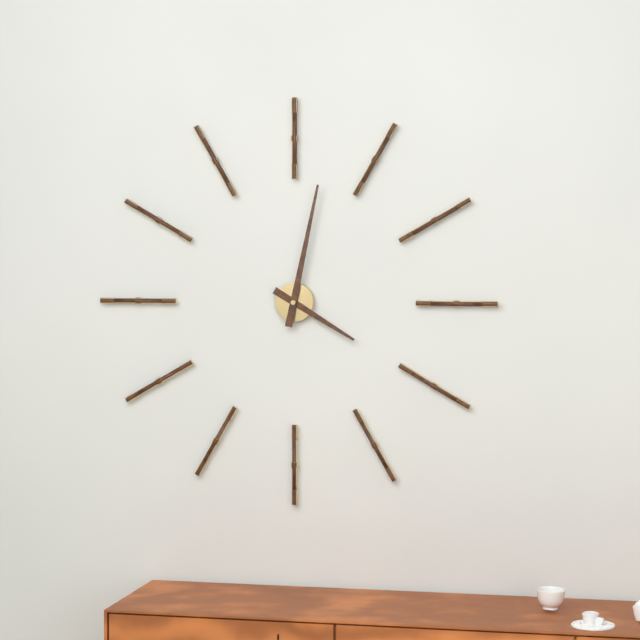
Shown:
**4:02**
